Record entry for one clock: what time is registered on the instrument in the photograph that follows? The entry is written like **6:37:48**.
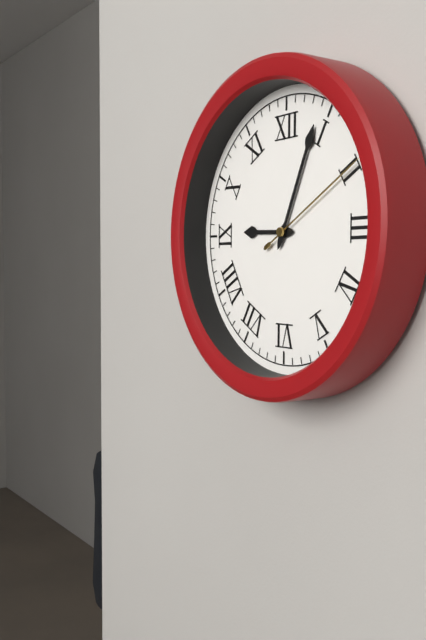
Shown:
**9:04:10**
